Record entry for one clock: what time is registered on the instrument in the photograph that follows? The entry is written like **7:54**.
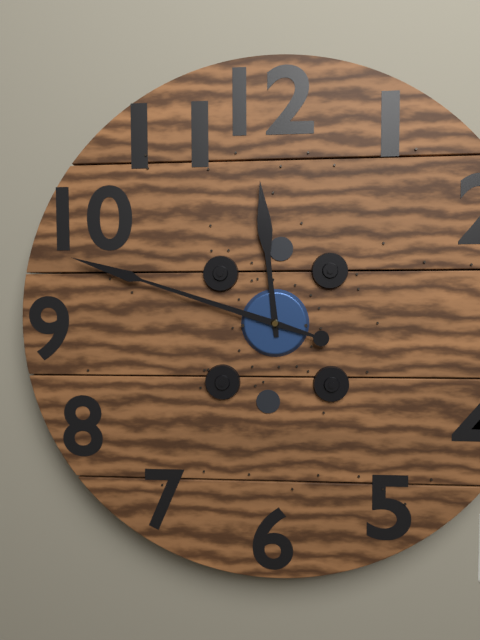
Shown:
**11:48**
